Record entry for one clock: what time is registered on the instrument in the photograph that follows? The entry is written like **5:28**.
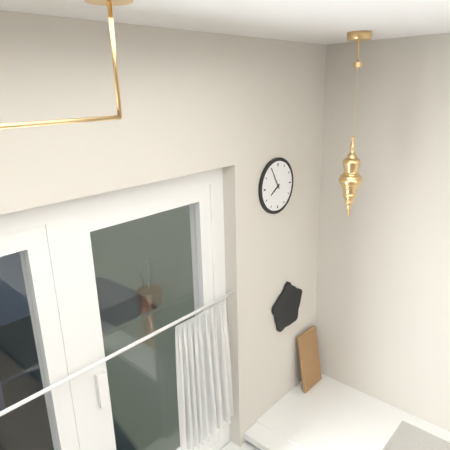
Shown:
**7:55**
